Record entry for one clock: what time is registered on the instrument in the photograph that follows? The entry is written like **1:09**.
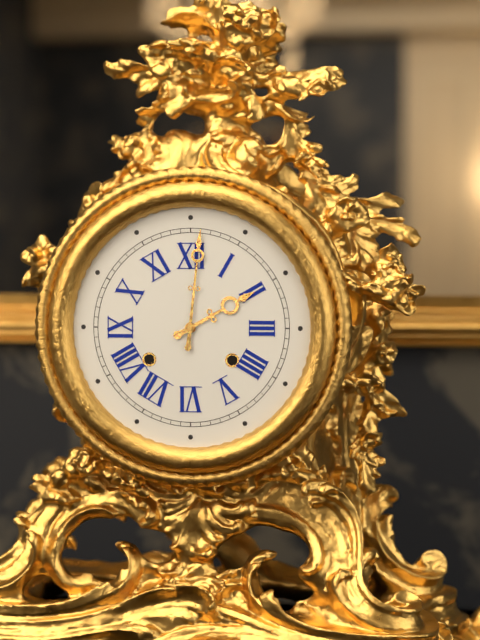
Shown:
**2:01**
